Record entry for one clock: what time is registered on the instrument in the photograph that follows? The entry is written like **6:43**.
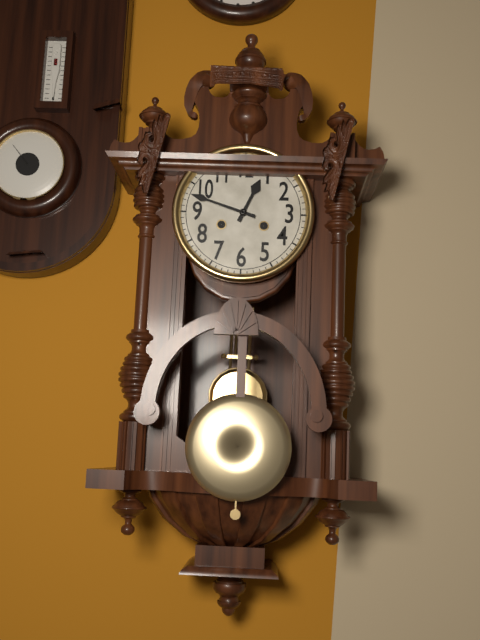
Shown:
**12:48**
